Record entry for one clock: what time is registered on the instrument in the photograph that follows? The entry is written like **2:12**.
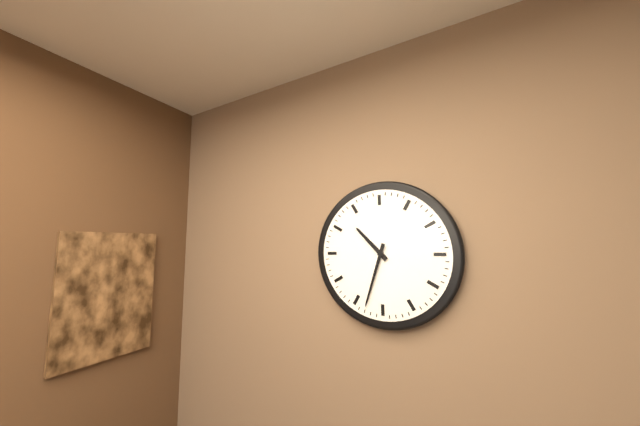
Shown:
**10:33**
